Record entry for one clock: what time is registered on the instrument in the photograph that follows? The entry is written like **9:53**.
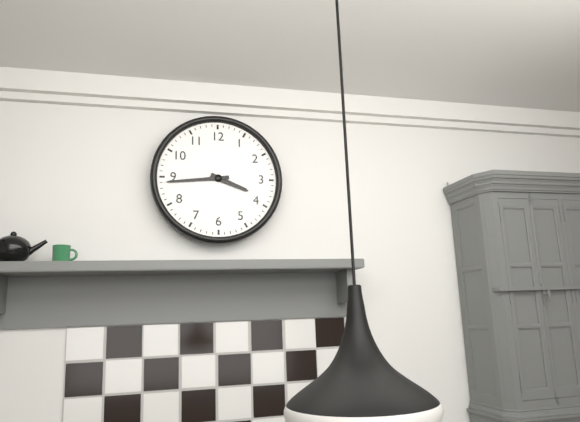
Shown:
**3:44**
